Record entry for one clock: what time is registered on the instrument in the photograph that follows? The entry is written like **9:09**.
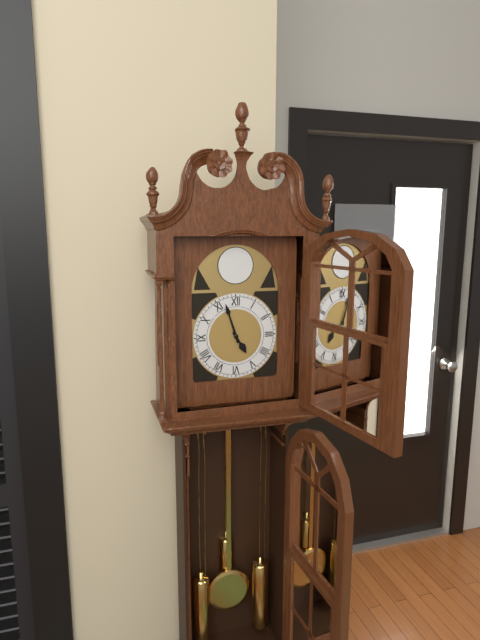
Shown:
**4:57**
